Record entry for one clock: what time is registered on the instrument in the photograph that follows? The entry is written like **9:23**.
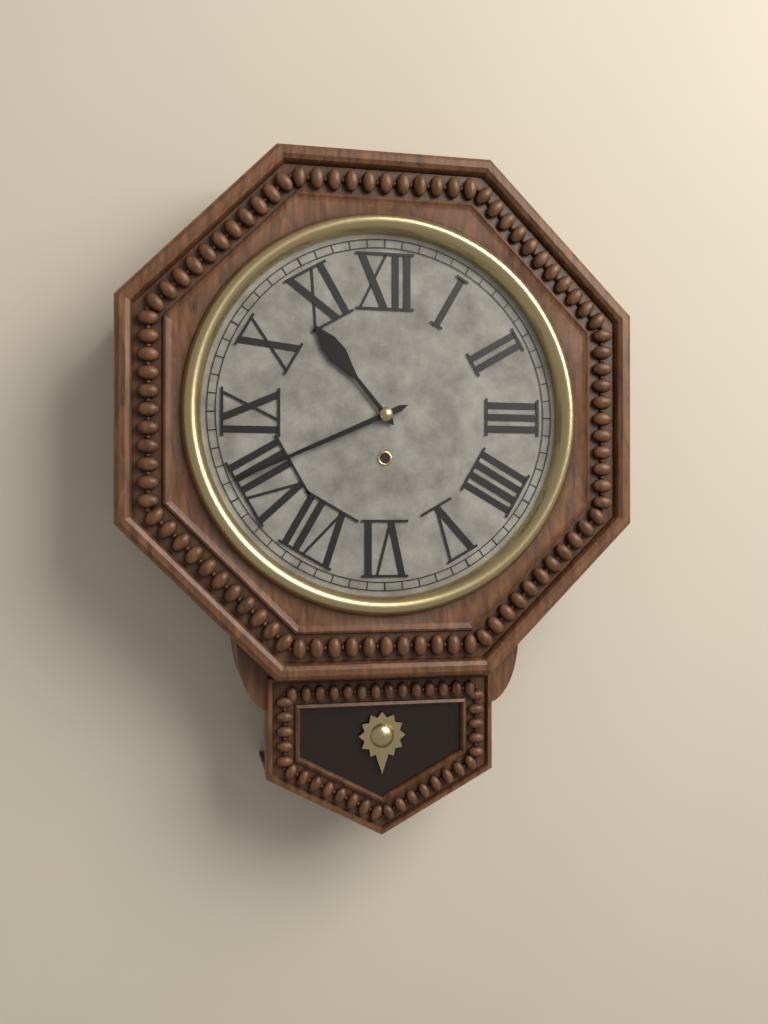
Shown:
**10:41**
